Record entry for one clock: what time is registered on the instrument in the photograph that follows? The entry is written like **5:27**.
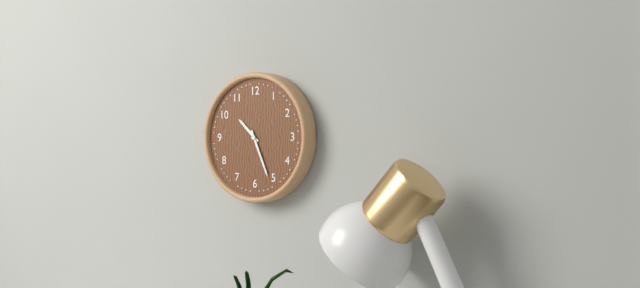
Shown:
**10:26**
